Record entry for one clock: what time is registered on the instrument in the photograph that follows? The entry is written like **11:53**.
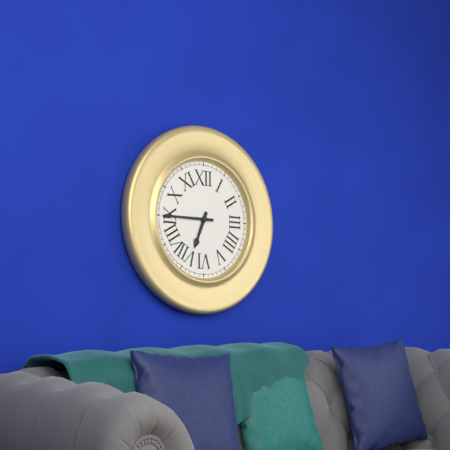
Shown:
**6:45**
